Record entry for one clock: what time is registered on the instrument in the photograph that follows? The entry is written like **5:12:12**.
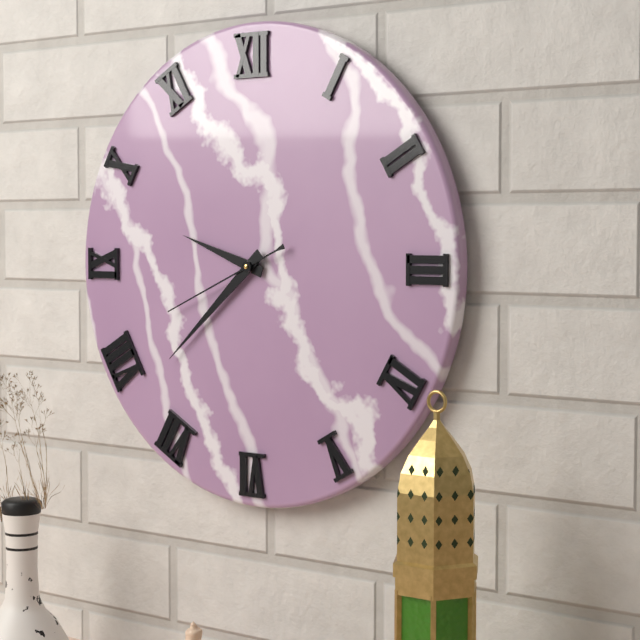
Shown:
**9:38:41**
